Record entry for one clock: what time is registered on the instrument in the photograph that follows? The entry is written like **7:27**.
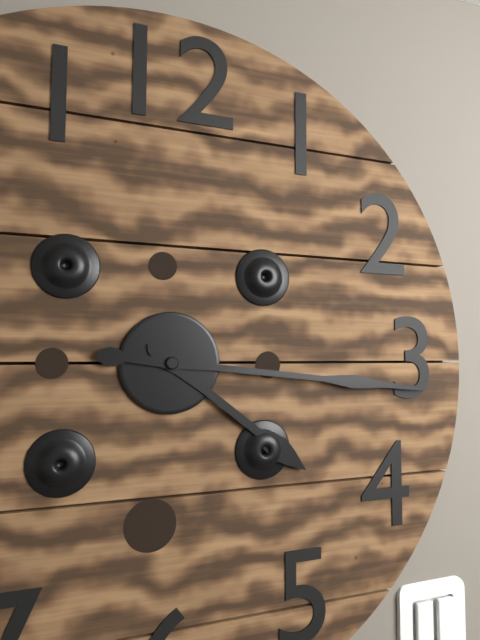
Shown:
**4:16**
